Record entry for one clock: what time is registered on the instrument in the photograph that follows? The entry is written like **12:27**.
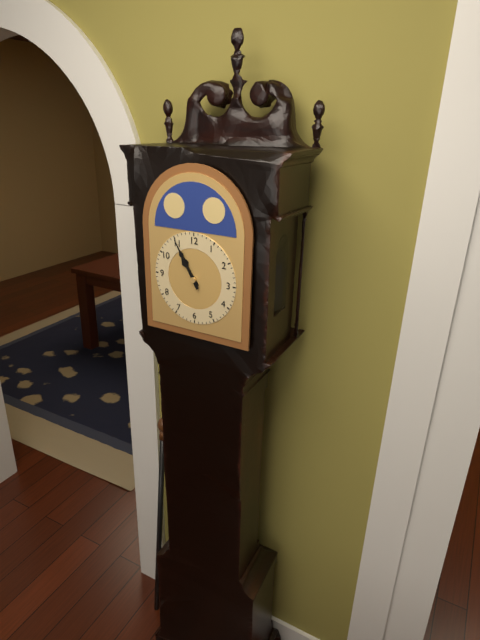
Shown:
**10:55**
